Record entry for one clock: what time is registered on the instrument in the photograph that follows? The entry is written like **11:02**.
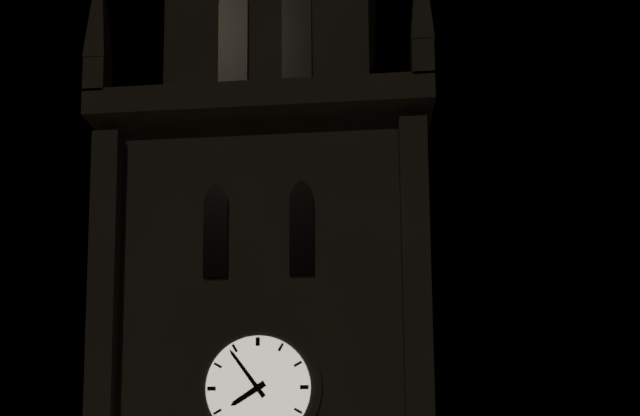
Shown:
**7:54**
